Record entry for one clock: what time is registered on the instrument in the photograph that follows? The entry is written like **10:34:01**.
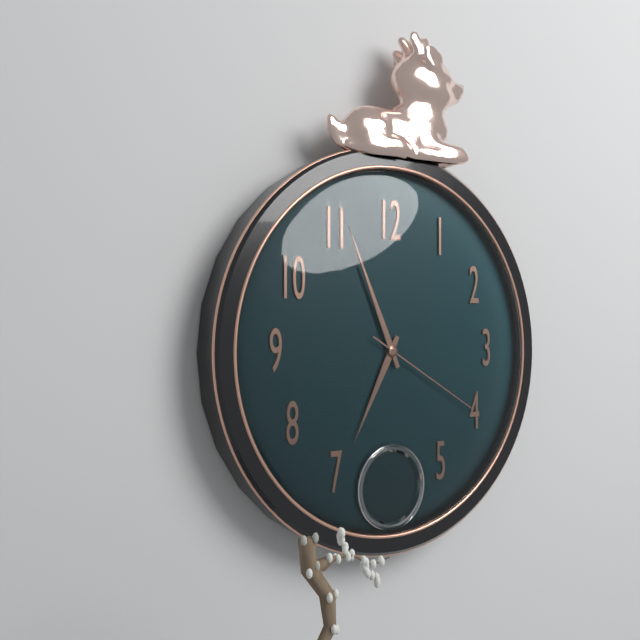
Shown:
**6:56:20**
